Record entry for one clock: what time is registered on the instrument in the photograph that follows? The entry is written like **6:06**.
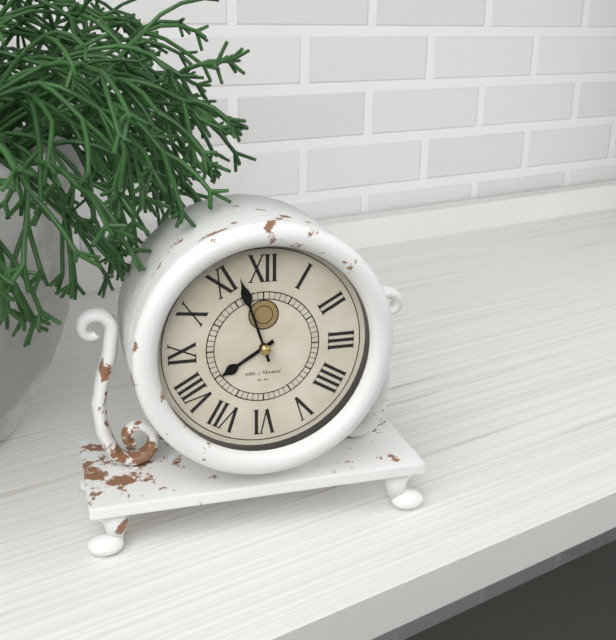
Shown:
**7:57**
